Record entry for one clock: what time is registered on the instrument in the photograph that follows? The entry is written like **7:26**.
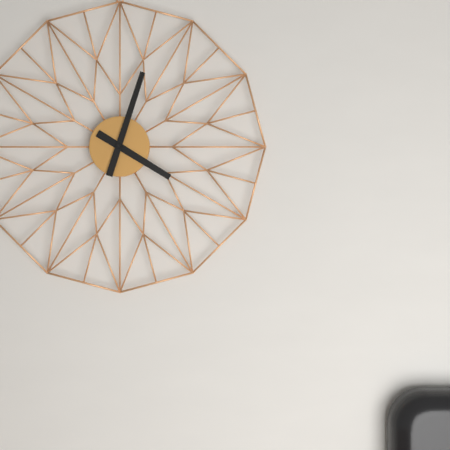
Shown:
**4:03**
